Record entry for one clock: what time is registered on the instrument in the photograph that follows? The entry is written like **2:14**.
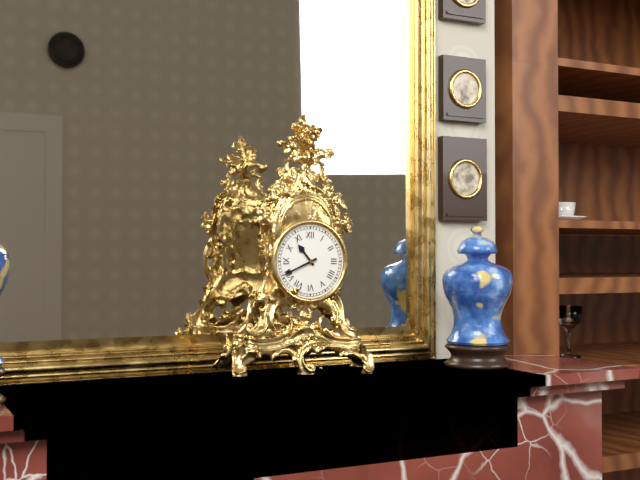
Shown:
**10:41**
